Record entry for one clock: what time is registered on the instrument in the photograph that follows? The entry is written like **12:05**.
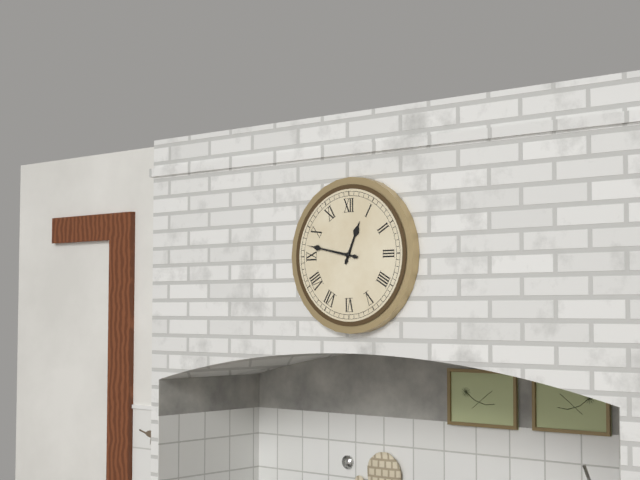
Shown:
**12:47**
